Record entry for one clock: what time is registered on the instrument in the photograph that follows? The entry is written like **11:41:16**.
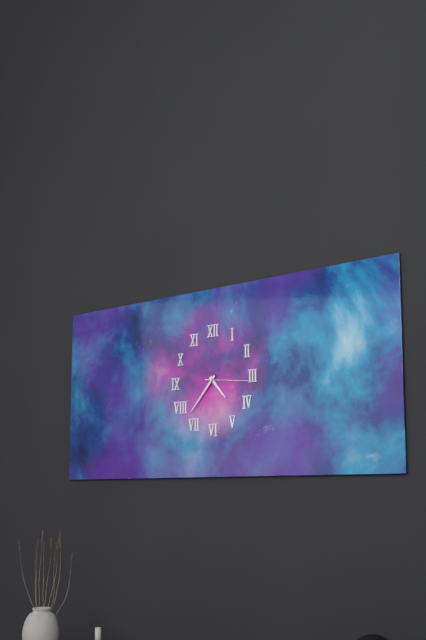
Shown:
**4:37:16**
